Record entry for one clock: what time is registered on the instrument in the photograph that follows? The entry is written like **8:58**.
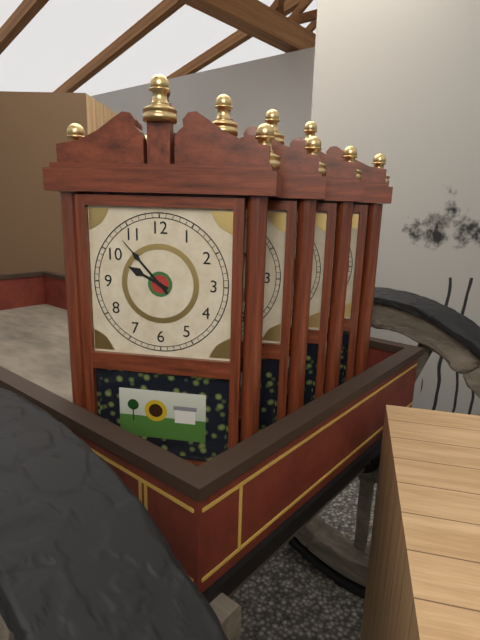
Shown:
**9:53**
